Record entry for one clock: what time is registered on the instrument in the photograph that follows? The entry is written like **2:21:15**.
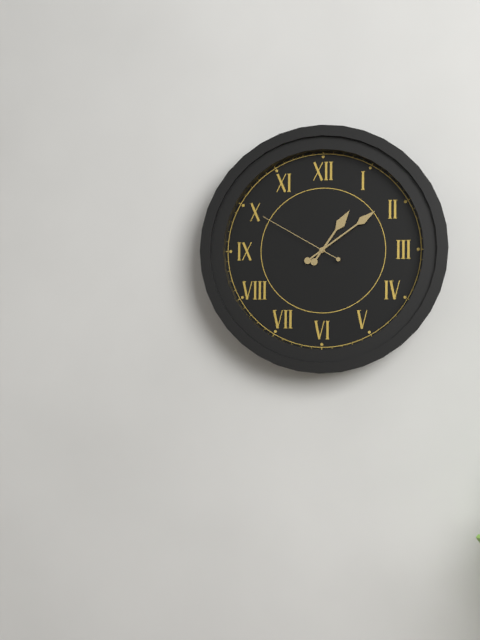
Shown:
**1:09:50**
